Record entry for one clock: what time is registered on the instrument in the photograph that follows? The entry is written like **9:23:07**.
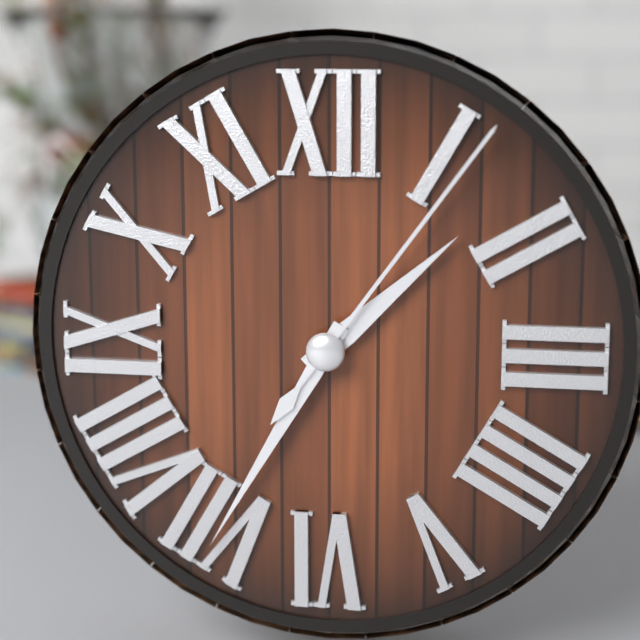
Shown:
**1:35:06**
